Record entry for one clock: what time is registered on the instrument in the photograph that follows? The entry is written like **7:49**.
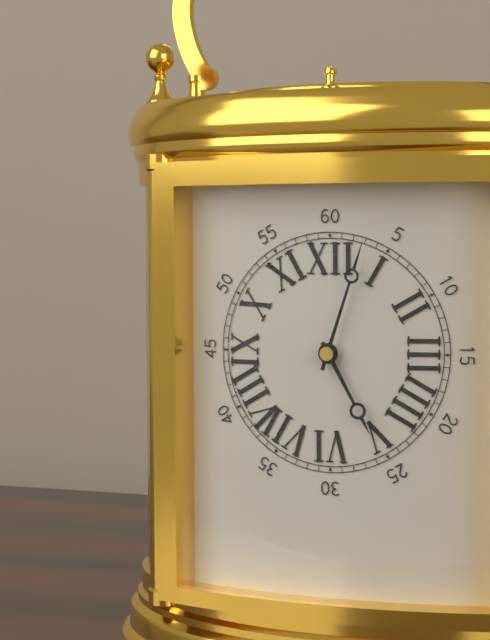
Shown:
**5:03**
